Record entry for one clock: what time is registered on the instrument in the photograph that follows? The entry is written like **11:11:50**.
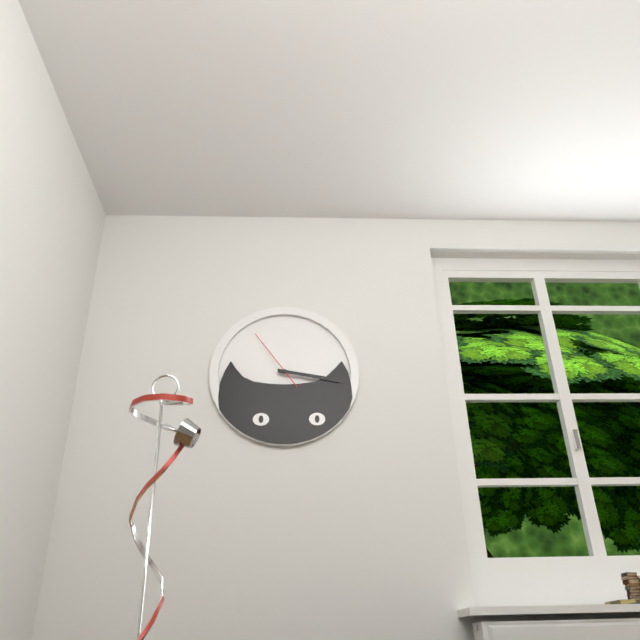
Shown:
**3:17:54**
